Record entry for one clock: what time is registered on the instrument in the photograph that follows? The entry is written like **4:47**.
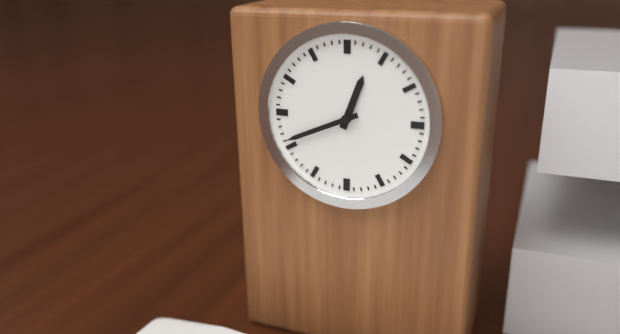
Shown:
**12:41**
